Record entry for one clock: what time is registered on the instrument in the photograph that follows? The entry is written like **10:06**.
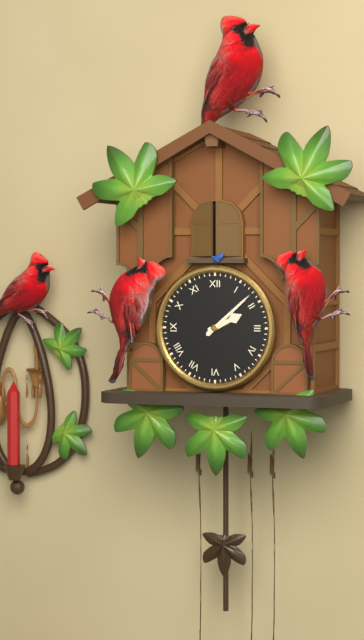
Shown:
**2:08**
